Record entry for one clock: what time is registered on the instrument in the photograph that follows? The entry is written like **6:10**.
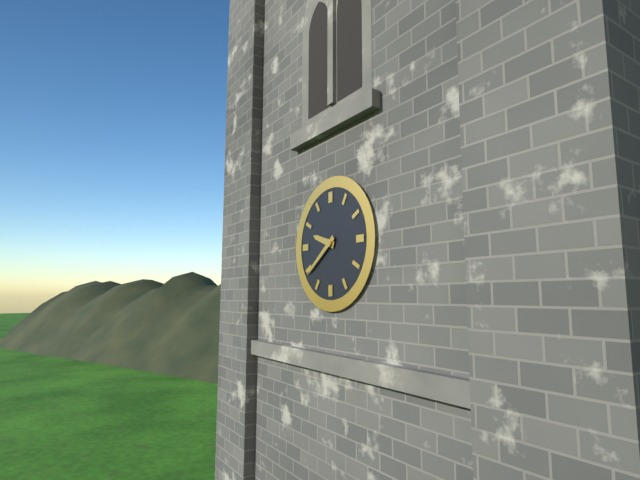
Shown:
**9:39**
